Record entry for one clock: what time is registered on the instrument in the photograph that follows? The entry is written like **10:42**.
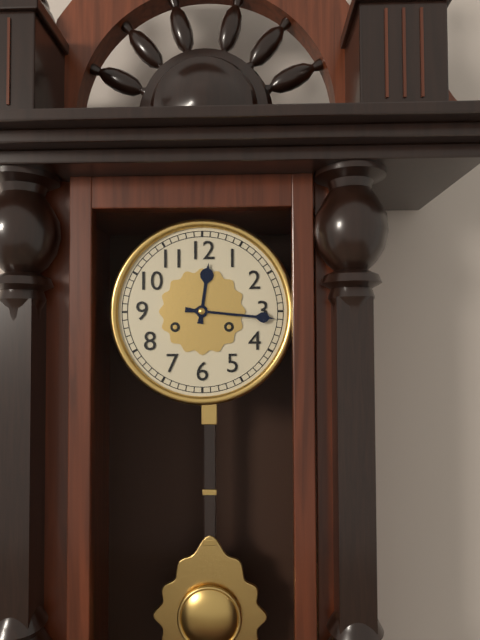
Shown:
**12:16**
